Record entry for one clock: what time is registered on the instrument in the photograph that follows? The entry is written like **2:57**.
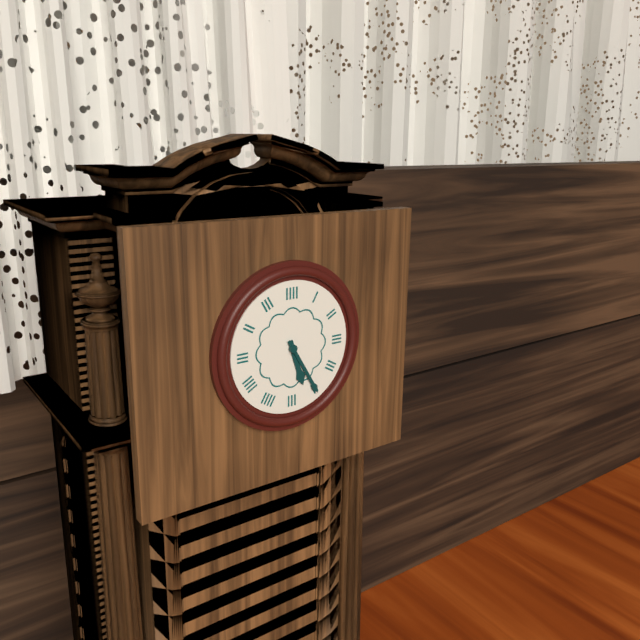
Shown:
**5:25**
